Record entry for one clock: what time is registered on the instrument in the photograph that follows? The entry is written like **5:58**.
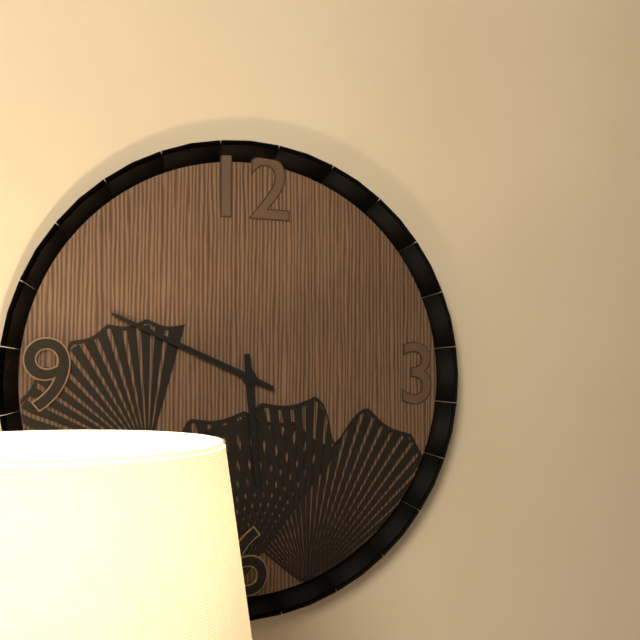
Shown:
**5:49**
